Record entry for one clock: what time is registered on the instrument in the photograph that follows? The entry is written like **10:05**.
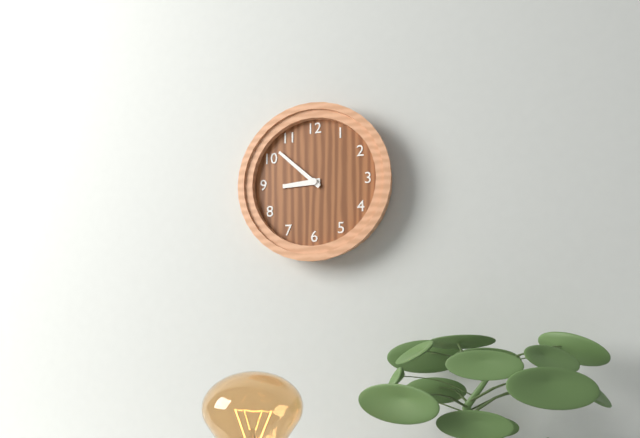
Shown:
**8:52**
